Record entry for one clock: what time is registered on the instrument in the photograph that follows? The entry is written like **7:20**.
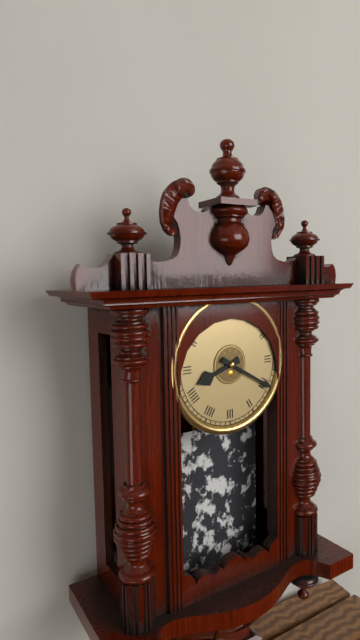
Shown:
**8:20**
